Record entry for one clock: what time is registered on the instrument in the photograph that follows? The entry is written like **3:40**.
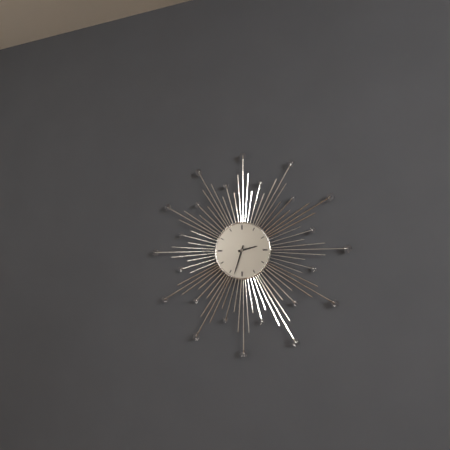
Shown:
**2:33**
